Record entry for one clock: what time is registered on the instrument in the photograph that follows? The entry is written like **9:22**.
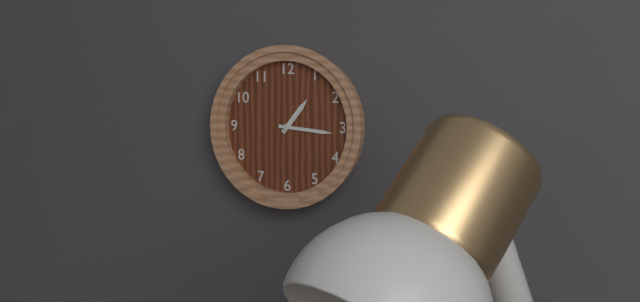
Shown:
**1:16**
